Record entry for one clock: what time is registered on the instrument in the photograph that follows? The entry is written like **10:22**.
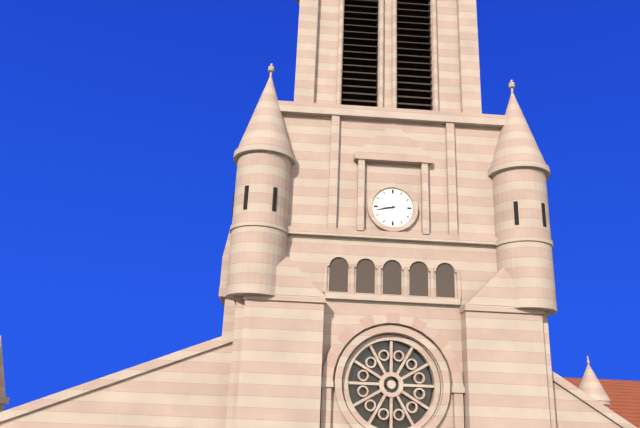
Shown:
**8:43**
